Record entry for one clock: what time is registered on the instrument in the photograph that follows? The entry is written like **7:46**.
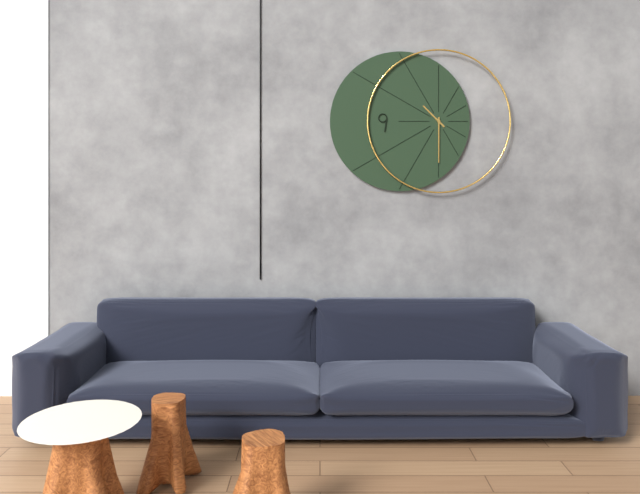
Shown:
**10:30**
